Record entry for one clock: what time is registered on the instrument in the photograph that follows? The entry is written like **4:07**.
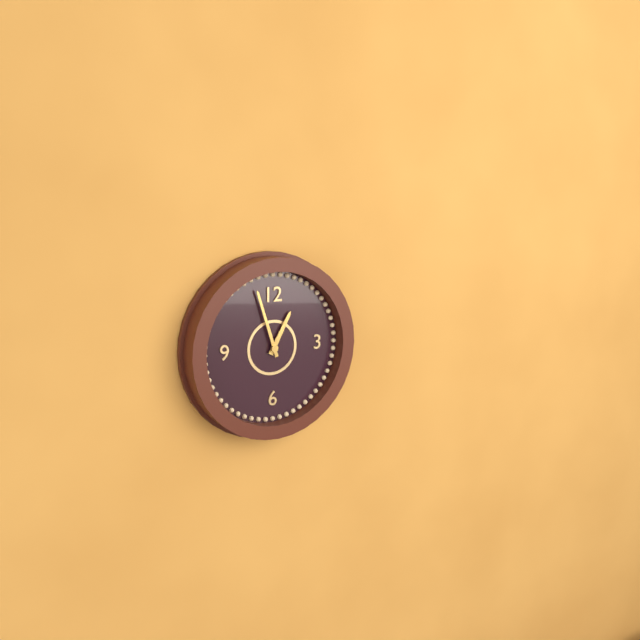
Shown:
**12:57**
